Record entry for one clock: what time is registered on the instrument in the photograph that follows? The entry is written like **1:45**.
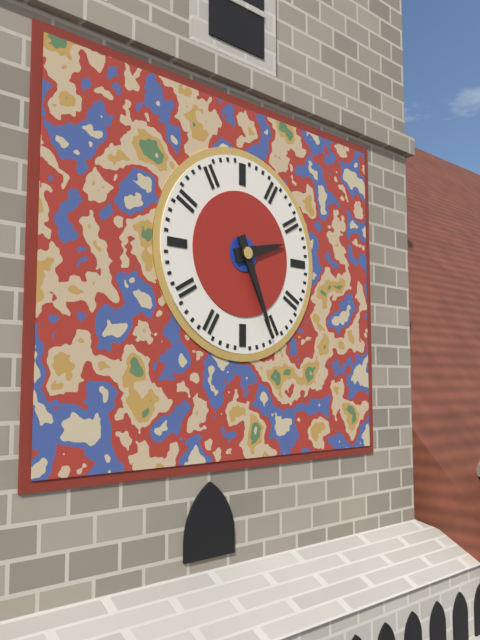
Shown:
**2:26**
